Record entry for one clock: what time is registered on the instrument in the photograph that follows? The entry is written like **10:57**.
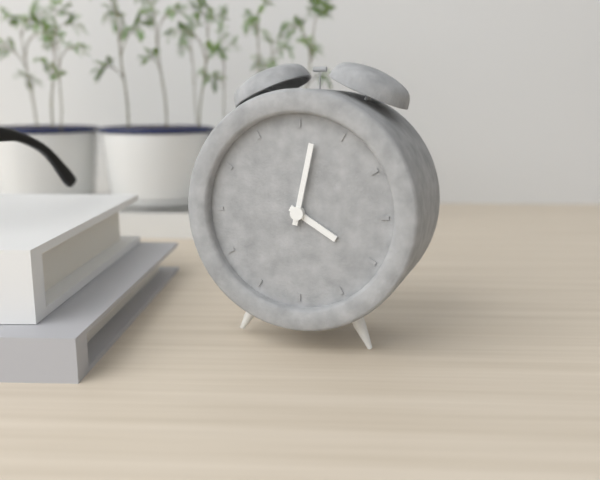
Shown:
**4:02**
